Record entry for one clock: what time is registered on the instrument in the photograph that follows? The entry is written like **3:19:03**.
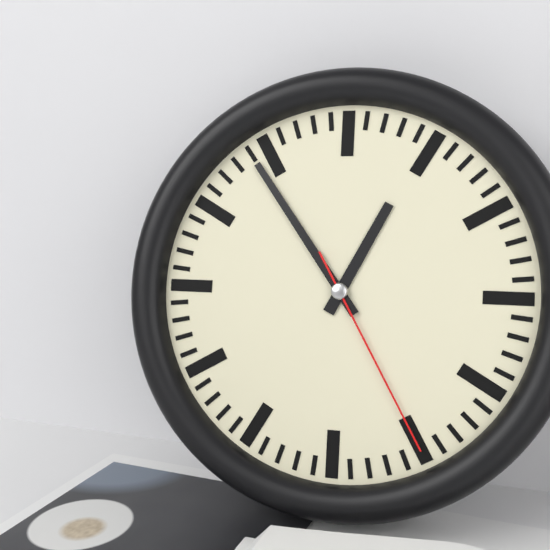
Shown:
**12:54:25**
